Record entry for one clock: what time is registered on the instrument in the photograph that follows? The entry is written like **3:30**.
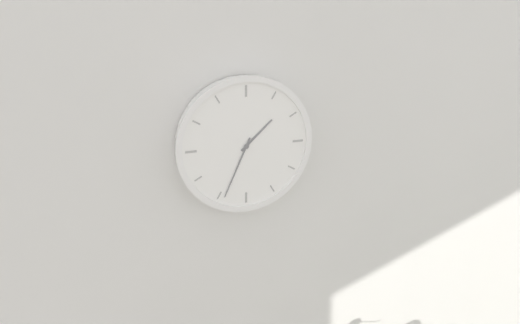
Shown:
**1:34**
